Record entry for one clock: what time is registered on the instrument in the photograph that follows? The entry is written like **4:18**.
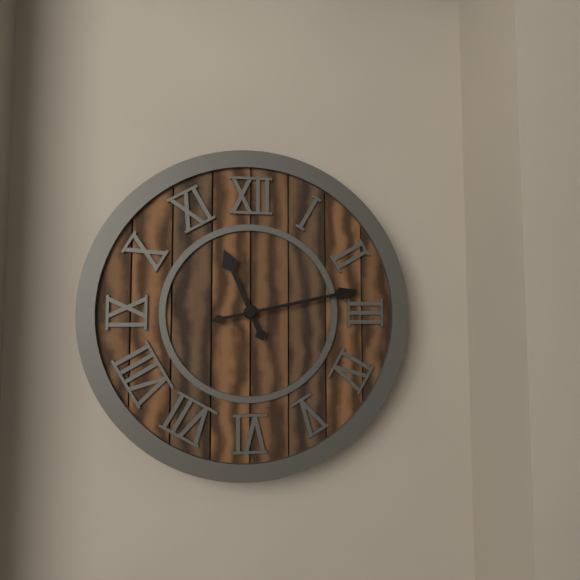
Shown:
**11:13**
